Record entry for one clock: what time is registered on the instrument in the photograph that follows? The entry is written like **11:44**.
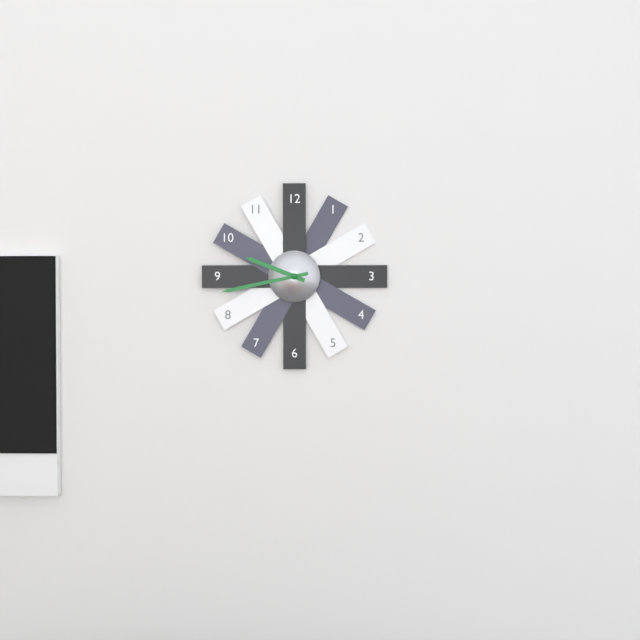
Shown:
**9:43**
